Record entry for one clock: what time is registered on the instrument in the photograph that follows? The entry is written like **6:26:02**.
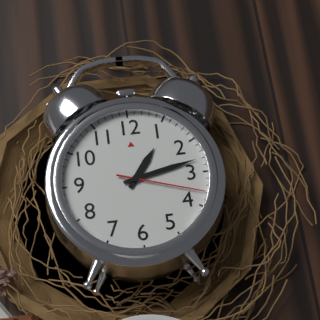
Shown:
**1:13:18**
